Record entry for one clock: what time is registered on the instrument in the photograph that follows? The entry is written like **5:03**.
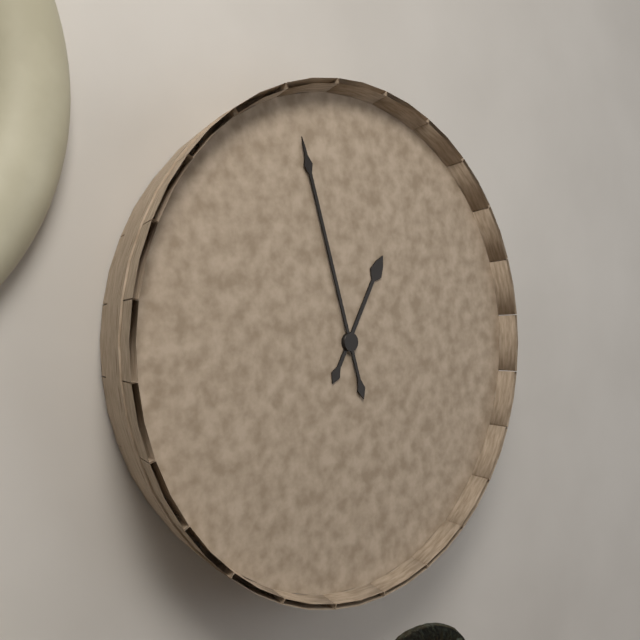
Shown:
**12:57**
